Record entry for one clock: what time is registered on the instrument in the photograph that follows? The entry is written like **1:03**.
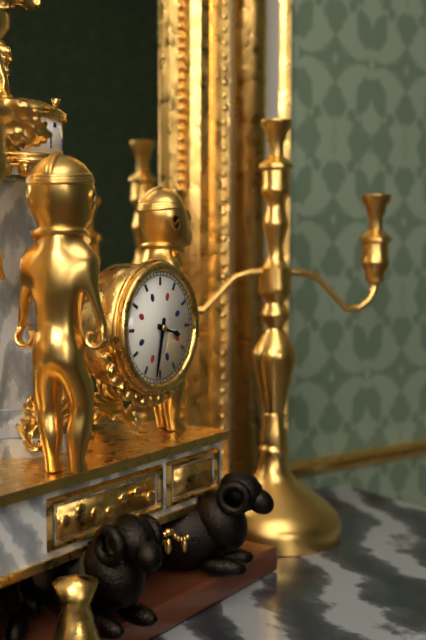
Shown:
**3:32**
